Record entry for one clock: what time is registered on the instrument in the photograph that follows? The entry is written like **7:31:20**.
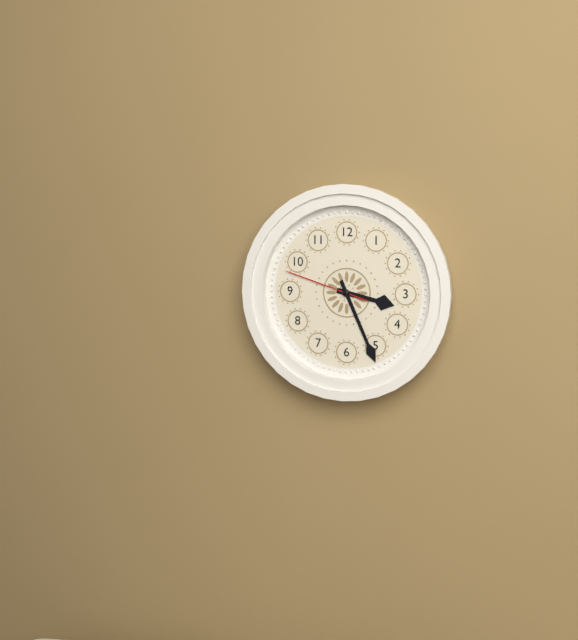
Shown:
**3:26:48**
